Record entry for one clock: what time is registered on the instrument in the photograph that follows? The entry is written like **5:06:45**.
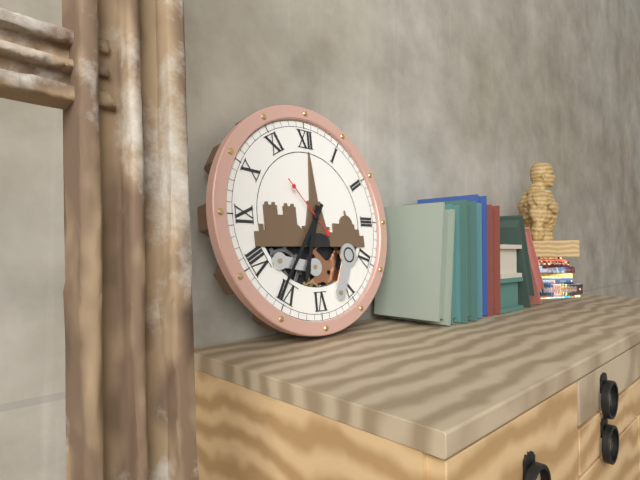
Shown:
**6:36:53**
